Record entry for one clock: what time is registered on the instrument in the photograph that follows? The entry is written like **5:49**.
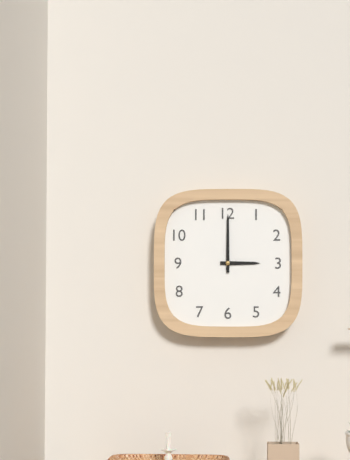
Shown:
**3:00**
